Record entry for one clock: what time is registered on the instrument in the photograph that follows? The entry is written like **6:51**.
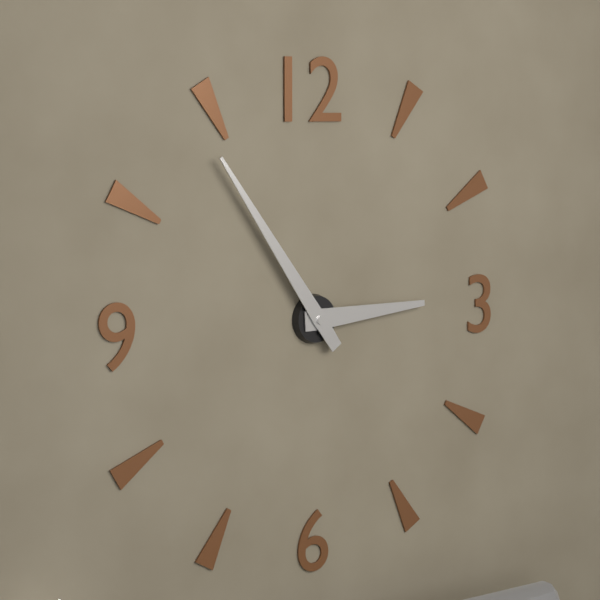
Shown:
**2:54**
